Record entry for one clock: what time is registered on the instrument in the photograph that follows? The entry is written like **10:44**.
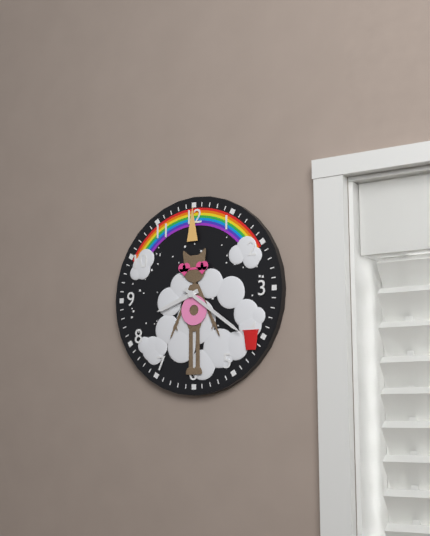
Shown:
**8:21**
